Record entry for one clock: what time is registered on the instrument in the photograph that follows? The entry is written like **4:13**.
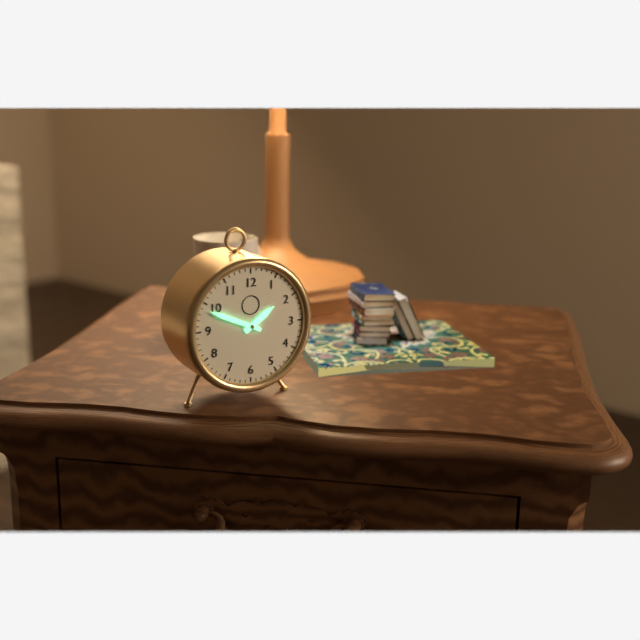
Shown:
**1:49**
